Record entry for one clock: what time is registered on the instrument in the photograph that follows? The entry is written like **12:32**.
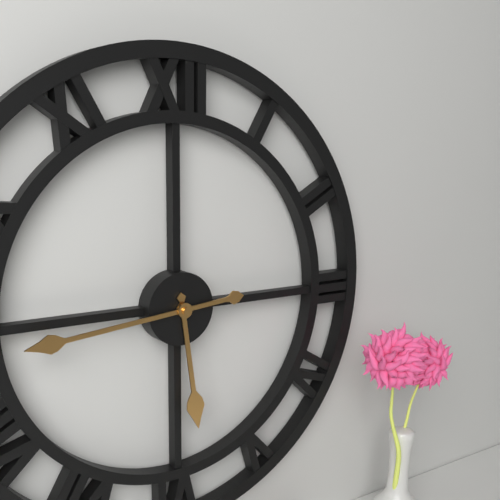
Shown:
**5:44**
